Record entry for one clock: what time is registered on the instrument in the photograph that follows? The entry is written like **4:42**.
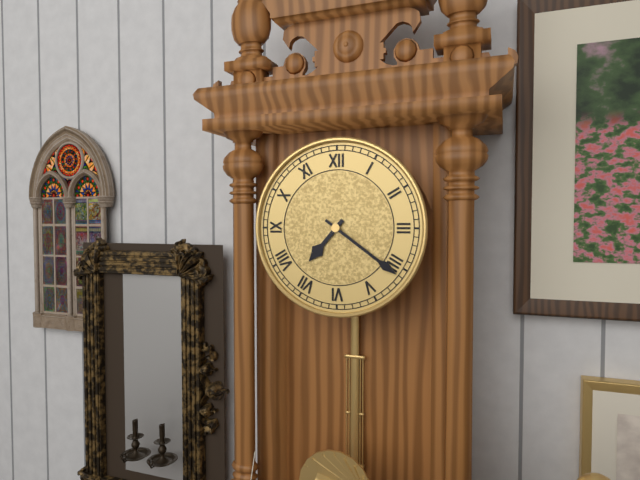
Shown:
**7:21**
